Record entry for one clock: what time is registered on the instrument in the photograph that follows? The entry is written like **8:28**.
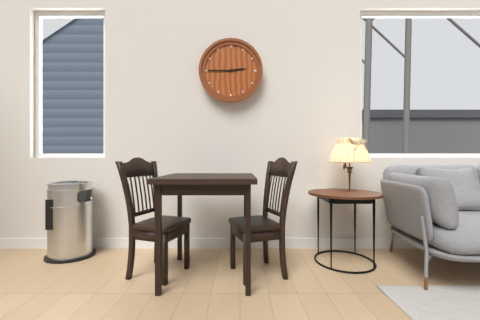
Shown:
**2:45**
